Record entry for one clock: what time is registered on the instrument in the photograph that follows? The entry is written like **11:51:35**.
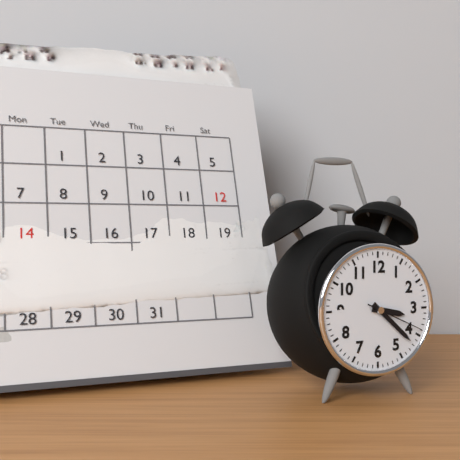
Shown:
**3:22:19**
